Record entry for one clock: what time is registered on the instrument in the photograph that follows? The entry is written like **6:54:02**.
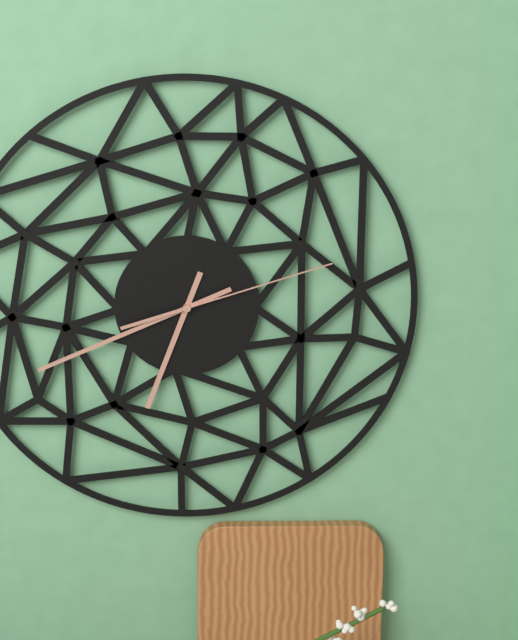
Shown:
**6:41:12**
